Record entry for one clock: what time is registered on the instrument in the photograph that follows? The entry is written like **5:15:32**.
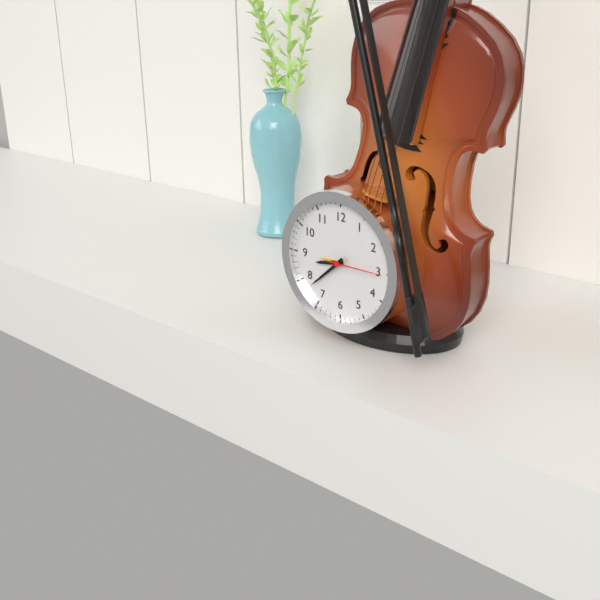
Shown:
**8:38:15**
